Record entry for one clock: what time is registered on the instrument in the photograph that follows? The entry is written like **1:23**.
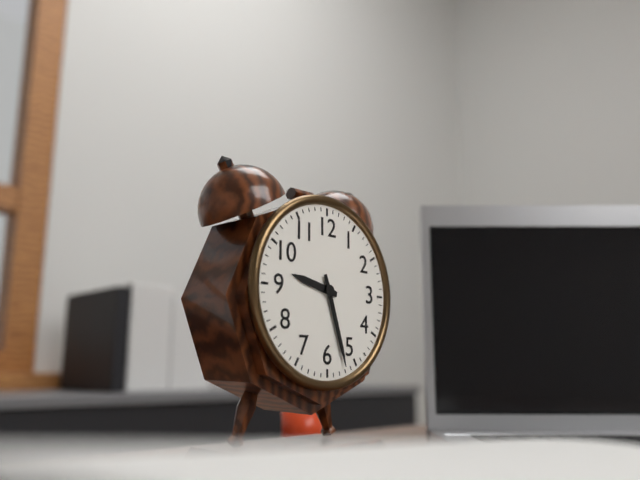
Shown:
**9:27**
